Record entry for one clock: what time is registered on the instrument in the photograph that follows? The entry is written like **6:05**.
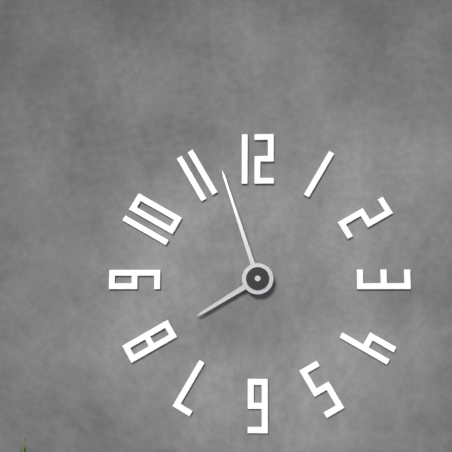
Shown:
**7:57**
